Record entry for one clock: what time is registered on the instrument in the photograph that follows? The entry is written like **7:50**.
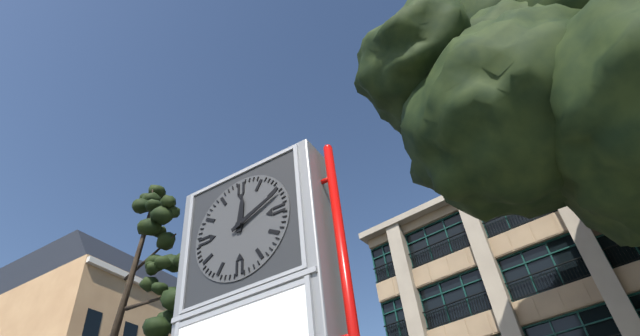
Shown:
**12:11**
